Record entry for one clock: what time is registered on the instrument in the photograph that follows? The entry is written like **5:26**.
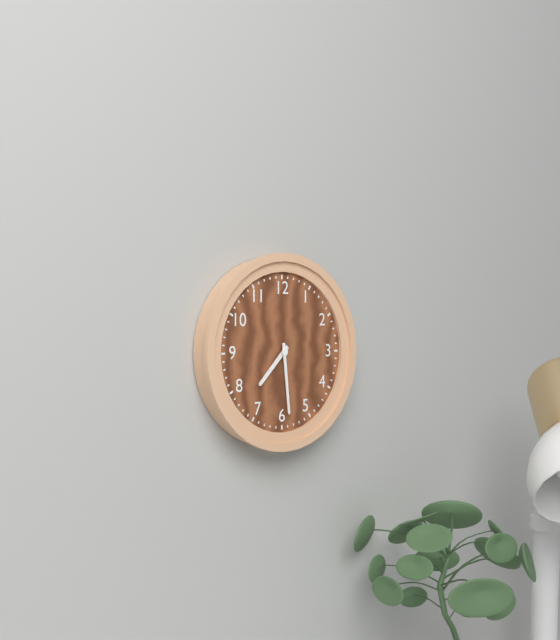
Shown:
**7:29**
